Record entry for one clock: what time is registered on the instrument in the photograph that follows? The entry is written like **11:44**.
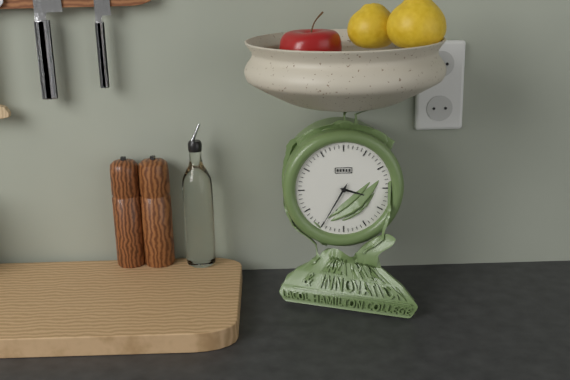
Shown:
**3:35**
